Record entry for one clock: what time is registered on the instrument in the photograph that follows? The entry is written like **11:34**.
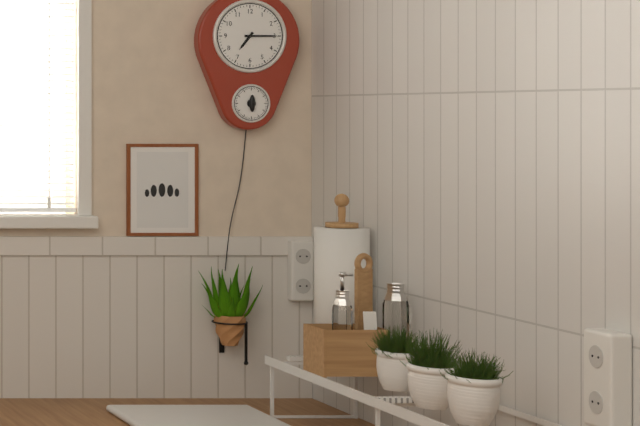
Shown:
**7:15**
